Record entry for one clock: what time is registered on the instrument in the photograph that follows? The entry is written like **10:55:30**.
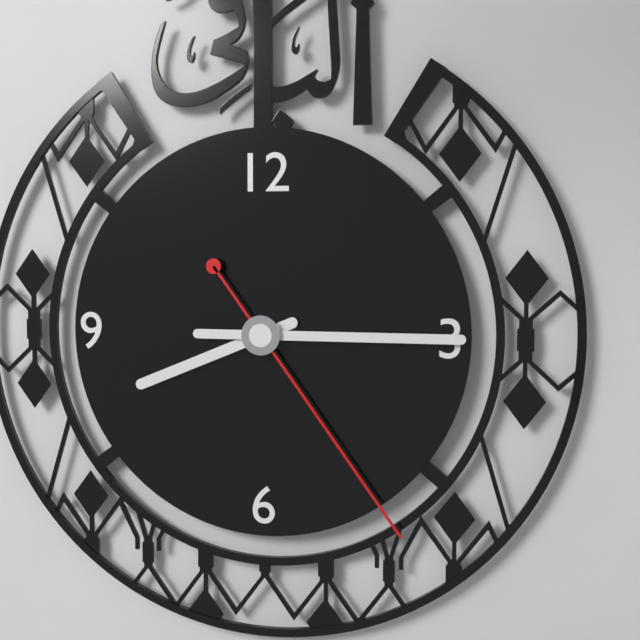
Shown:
**8:15:24**
